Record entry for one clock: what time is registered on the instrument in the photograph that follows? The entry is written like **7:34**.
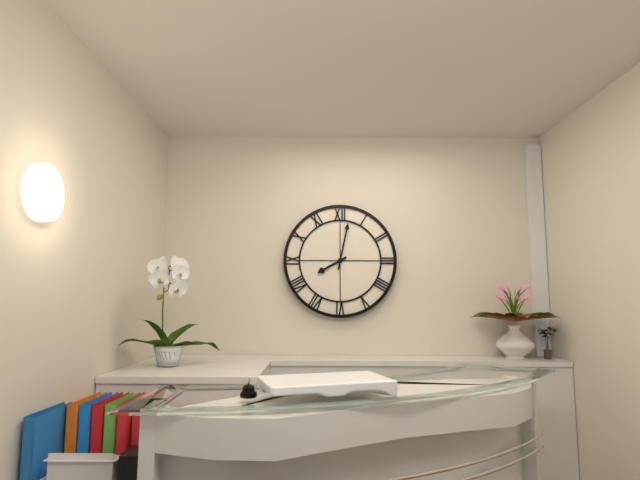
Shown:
**8:02**
